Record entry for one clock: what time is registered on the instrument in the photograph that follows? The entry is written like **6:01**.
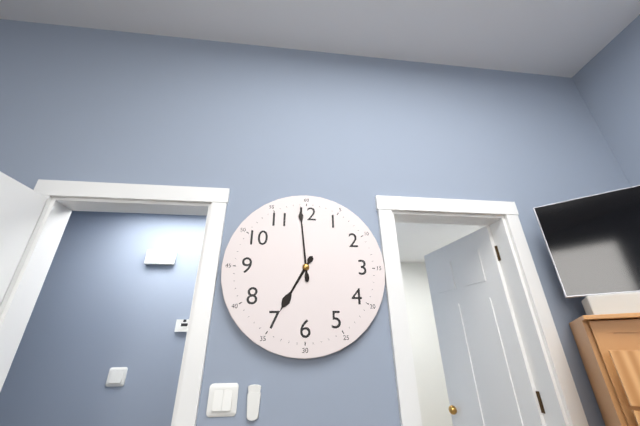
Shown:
**6:59**
